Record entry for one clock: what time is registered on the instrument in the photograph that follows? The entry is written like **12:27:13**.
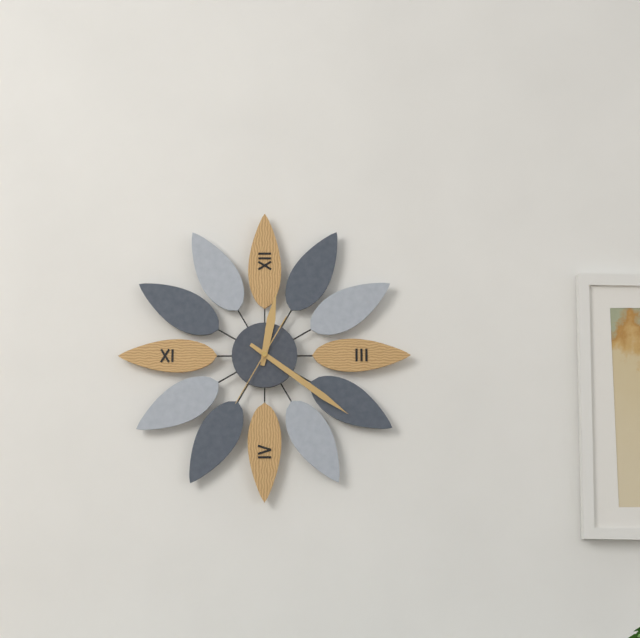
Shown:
**12:21:35**
